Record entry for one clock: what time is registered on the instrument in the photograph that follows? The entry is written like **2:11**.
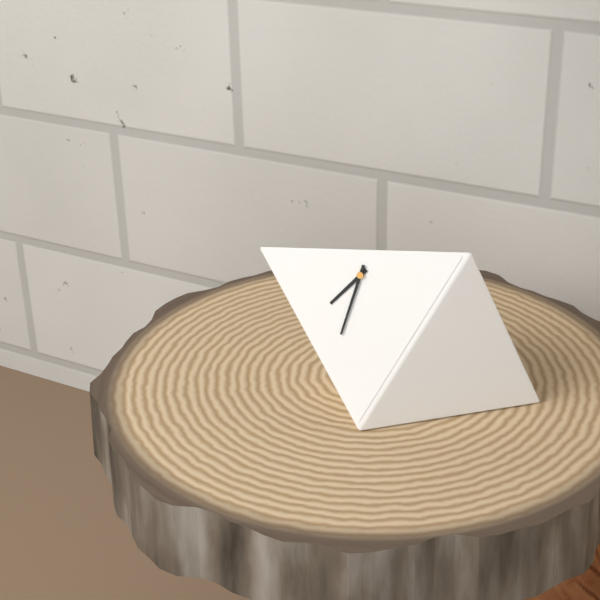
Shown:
**7:33**
